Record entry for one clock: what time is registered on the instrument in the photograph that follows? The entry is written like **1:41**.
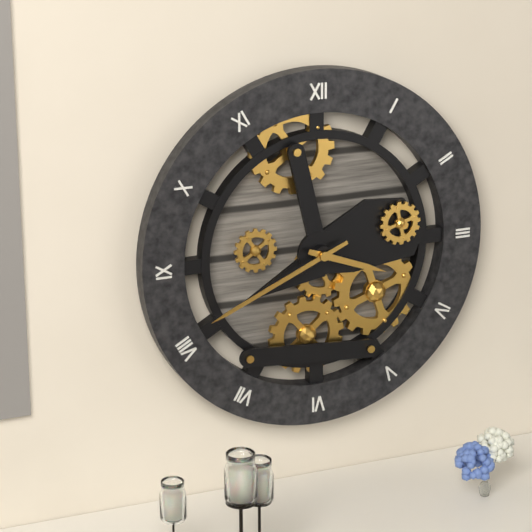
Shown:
**3:41**
